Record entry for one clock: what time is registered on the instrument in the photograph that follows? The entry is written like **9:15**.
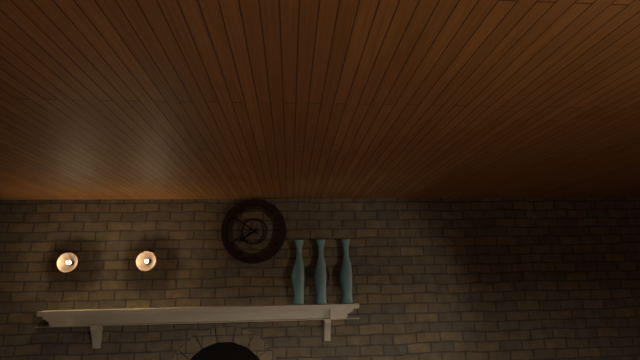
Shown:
**7:51**
